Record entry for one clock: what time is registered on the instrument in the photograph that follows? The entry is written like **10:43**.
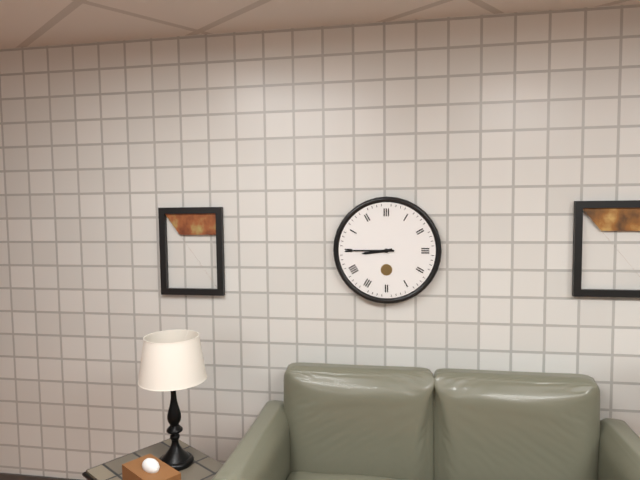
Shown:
**8:45**
